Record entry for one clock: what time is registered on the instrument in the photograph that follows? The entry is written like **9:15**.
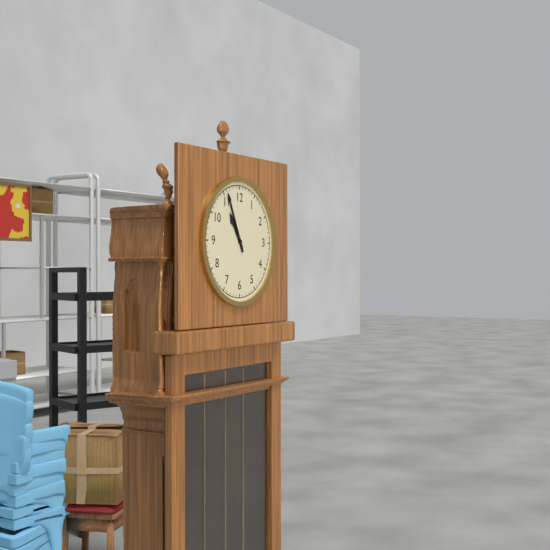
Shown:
**10:56**
